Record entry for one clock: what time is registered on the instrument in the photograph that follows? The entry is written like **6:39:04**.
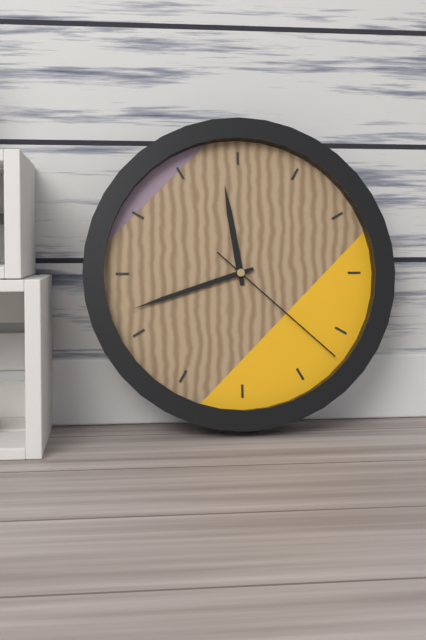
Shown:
**11:42:22**
